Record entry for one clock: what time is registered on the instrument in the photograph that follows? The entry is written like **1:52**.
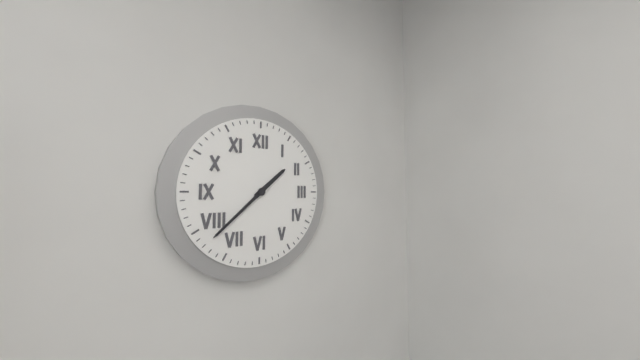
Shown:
**1:38**
